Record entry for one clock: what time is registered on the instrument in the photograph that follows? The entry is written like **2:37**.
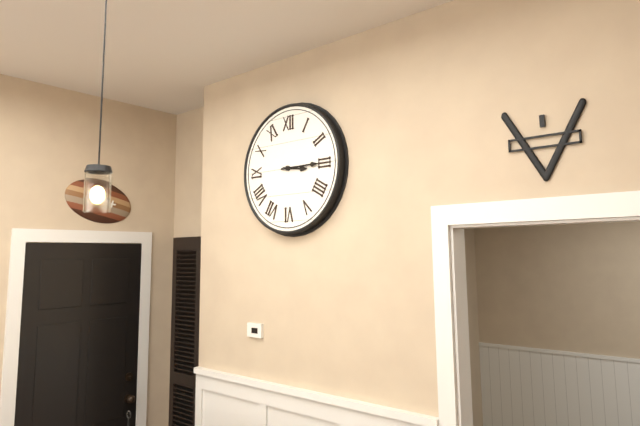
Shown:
**3:15**
